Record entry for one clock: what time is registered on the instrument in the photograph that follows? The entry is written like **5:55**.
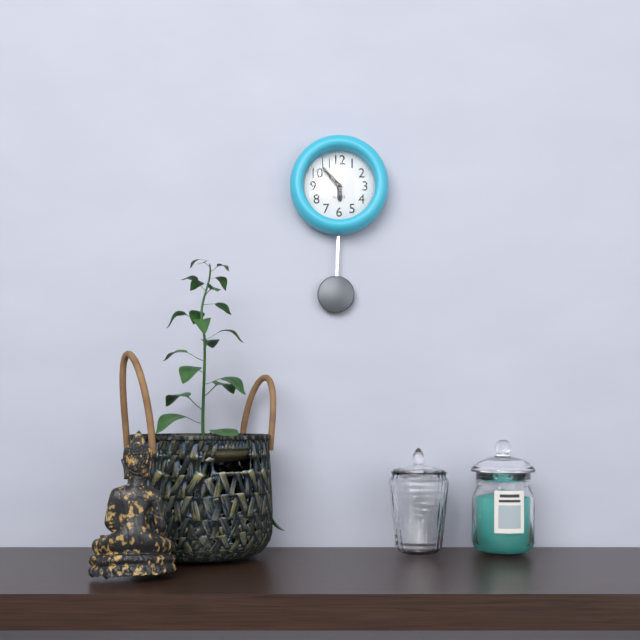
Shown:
**5:53**
